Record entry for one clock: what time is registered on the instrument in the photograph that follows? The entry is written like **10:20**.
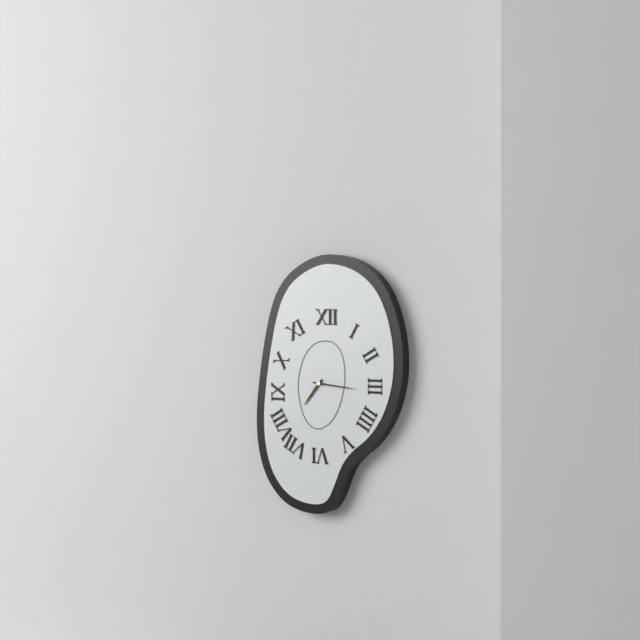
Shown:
**7:16**
